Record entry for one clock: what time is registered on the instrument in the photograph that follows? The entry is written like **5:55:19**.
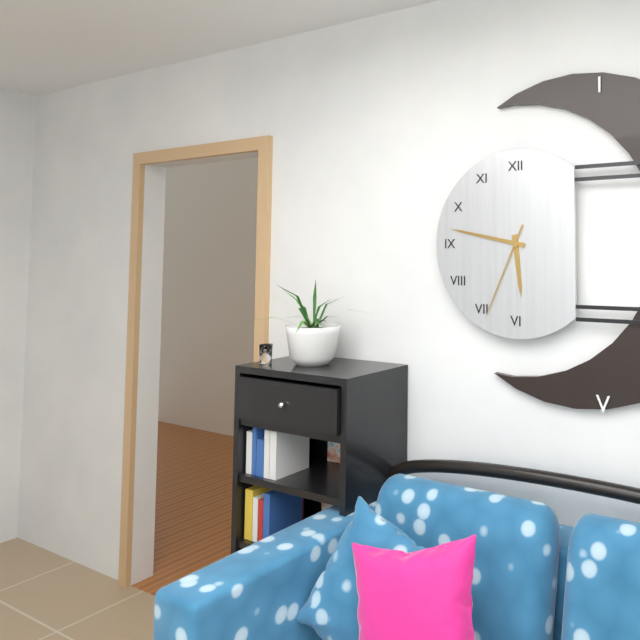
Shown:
**5:47:34**
